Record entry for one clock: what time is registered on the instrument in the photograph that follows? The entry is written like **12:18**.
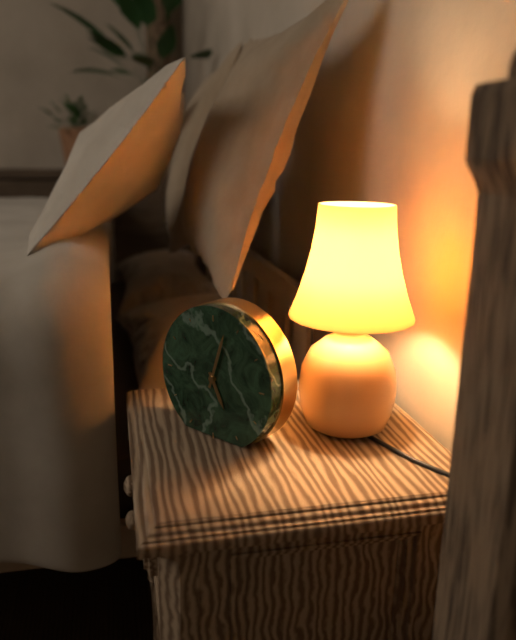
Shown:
**5:03**
